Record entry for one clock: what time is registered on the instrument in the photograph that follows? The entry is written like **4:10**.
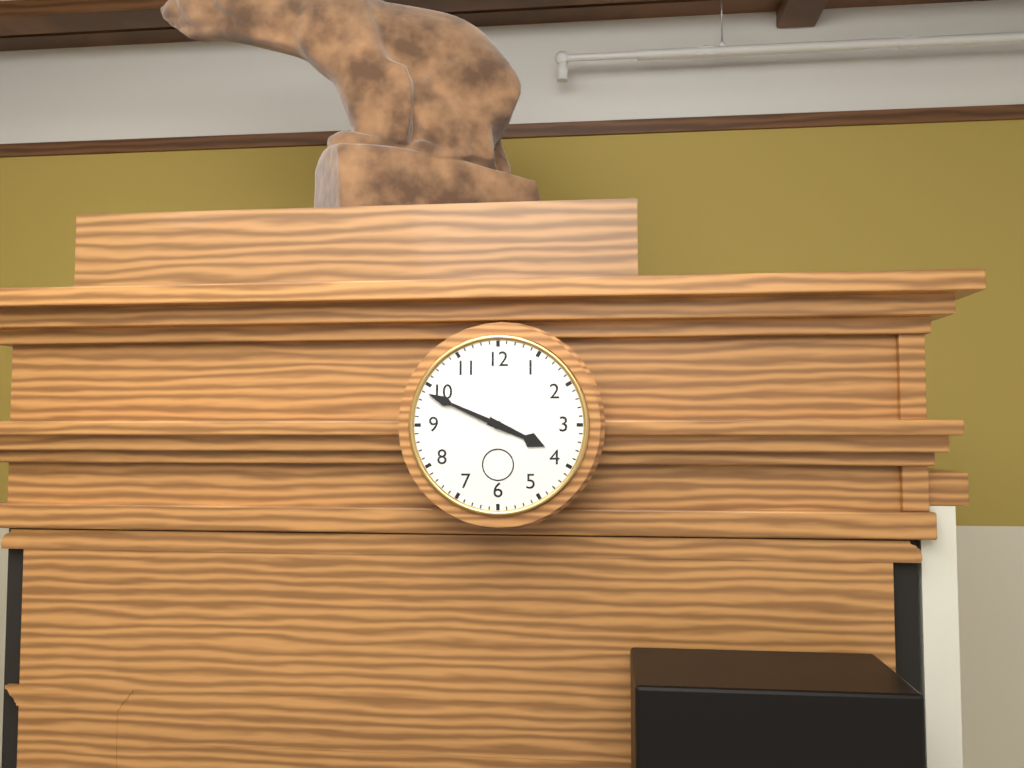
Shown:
**3:49**
